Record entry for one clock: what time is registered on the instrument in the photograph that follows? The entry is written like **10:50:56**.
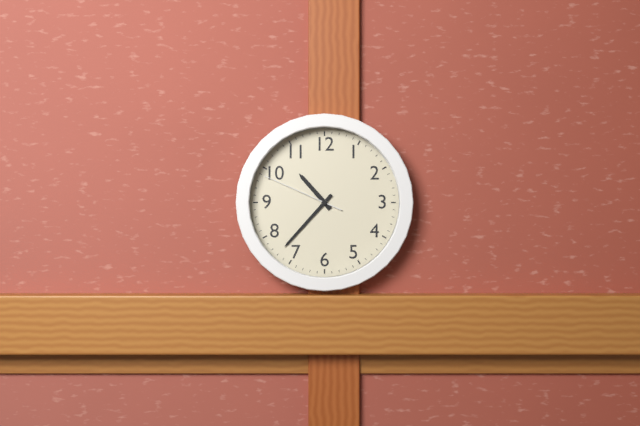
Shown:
**10:37:49**
